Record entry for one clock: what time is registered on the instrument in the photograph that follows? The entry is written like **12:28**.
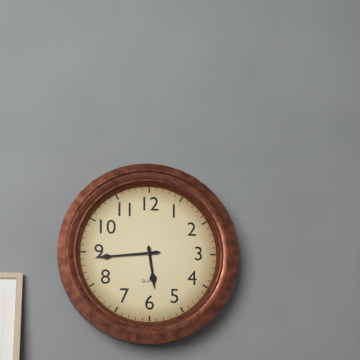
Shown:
**5:44**
